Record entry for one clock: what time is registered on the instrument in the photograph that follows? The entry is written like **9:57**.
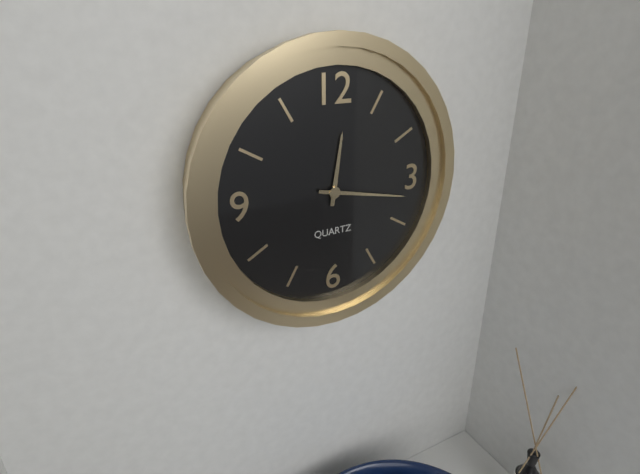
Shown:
**12:17**
